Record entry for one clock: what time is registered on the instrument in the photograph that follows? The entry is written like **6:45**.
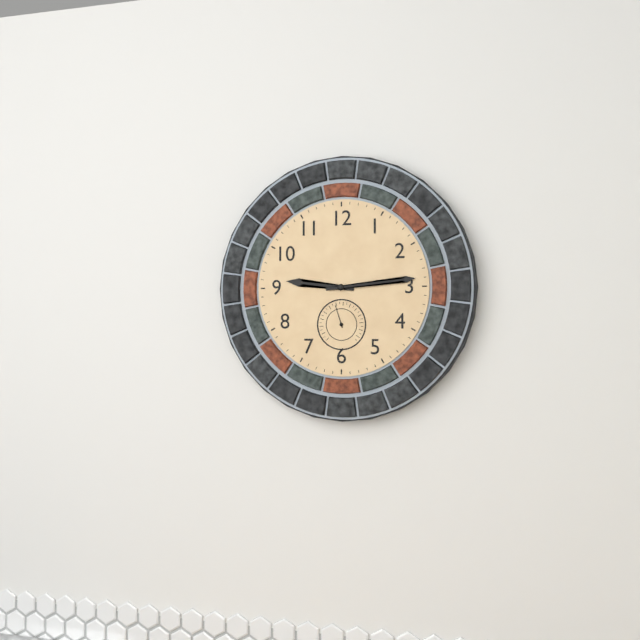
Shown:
**9:14**
